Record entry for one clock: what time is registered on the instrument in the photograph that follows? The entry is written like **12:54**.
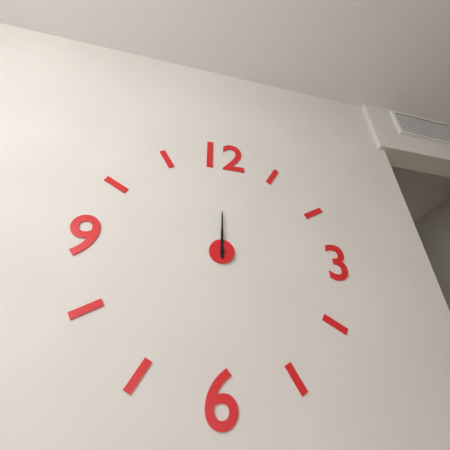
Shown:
**12:00**
